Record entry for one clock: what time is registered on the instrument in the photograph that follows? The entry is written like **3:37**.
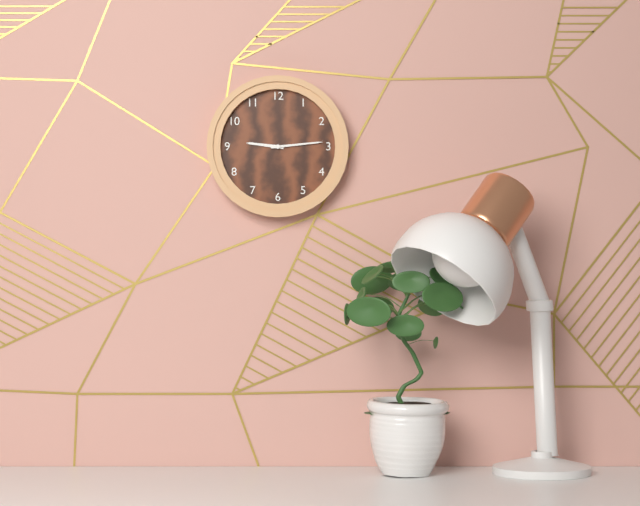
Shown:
**9:14**
